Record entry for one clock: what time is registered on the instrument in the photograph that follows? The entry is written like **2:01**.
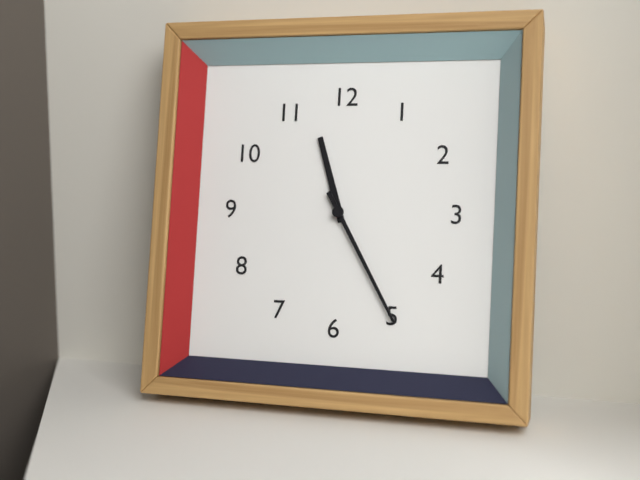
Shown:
**11:25**
